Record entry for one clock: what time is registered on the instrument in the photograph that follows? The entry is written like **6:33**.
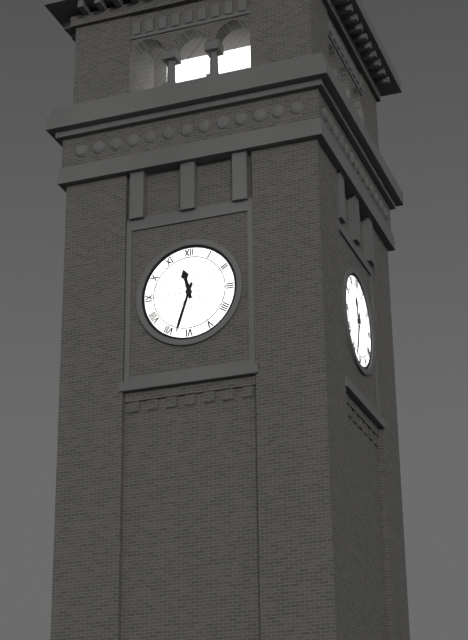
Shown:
**11:33**
